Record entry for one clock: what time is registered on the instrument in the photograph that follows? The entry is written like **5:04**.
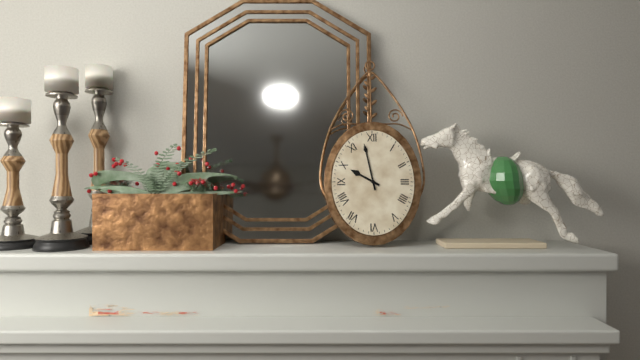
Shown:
**9:58**
